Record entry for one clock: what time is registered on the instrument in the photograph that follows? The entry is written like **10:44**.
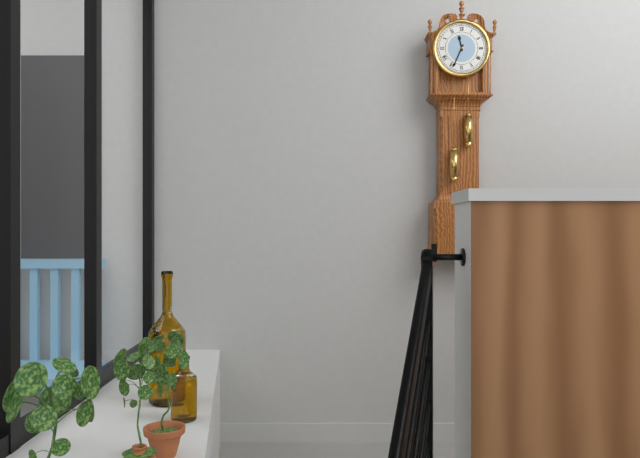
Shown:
**11:34**
